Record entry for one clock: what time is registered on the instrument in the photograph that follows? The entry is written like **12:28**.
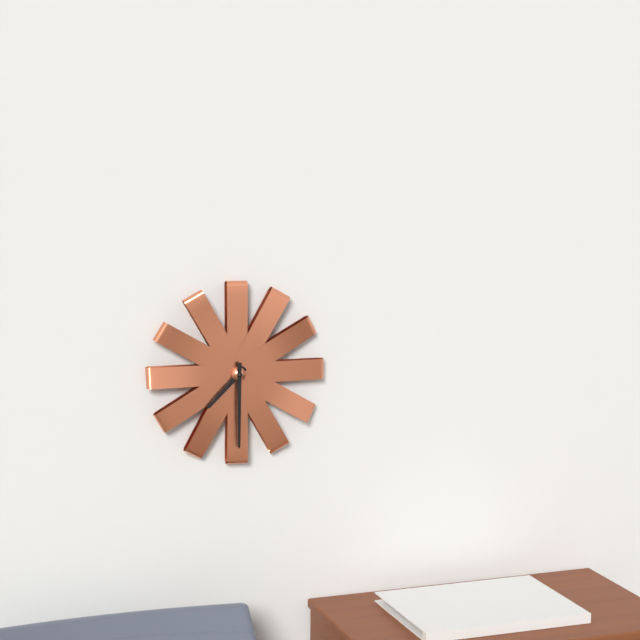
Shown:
**7:30**
